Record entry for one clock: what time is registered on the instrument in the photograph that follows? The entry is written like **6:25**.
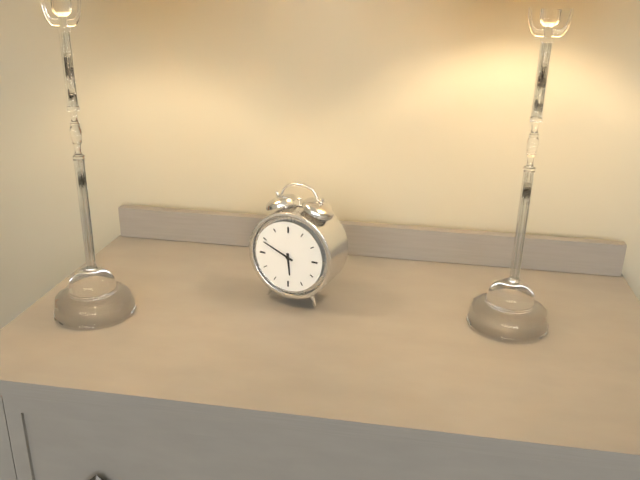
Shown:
**5:49**
